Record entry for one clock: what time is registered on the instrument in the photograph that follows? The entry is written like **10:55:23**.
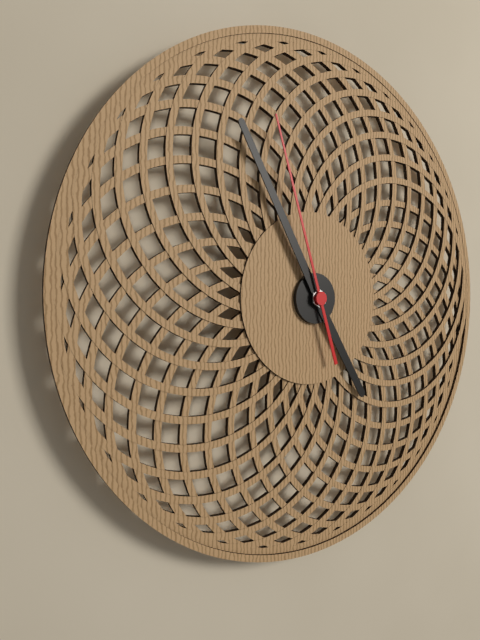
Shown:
**4:55:57**
